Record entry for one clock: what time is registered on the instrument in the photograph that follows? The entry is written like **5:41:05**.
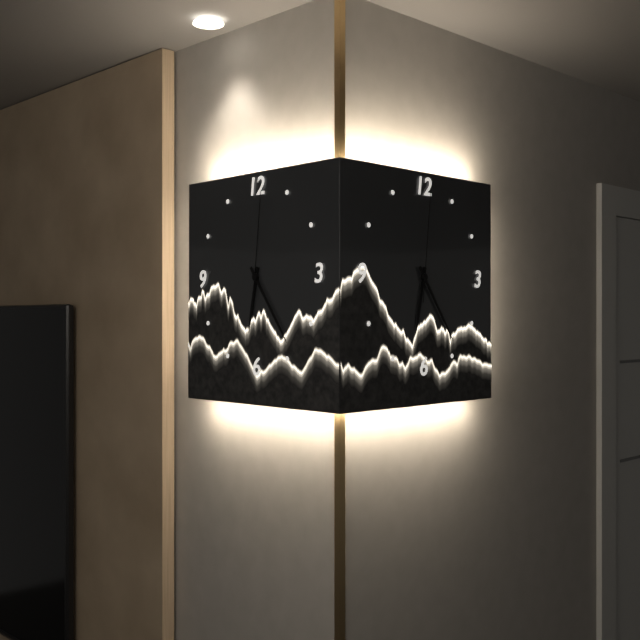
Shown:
**6:24:01**
